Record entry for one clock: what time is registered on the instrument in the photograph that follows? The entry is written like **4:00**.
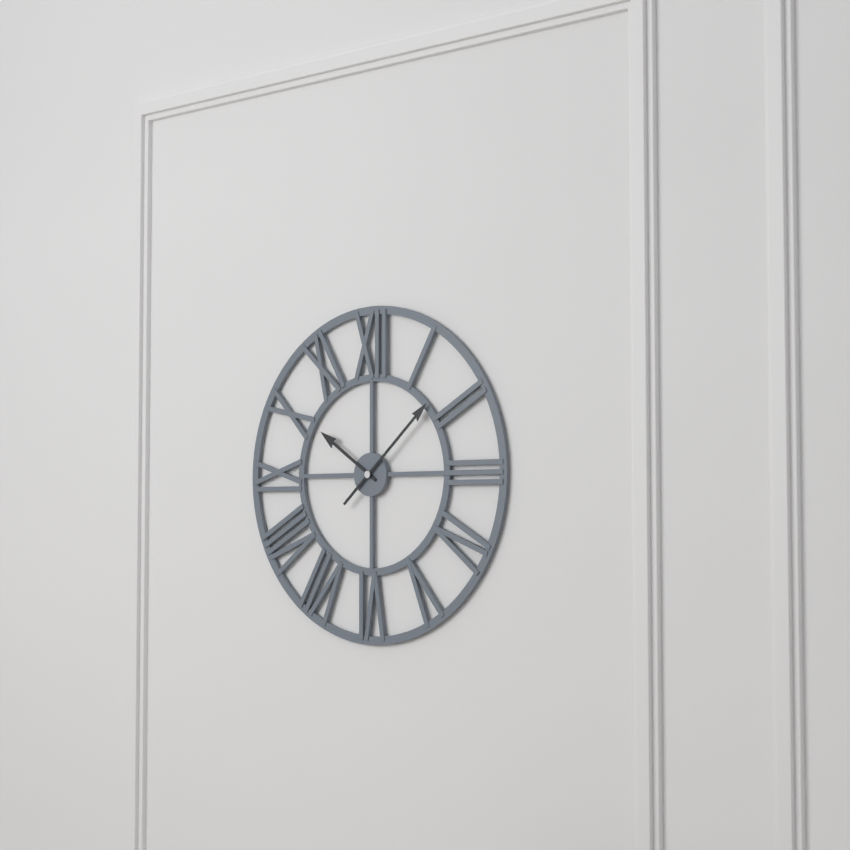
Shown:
**10:08**
